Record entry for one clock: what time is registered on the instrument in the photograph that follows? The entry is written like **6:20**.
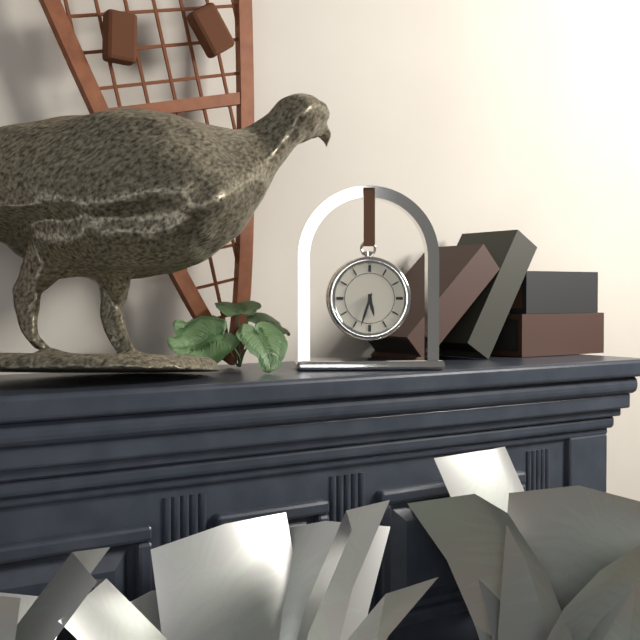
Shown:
**5:33**
